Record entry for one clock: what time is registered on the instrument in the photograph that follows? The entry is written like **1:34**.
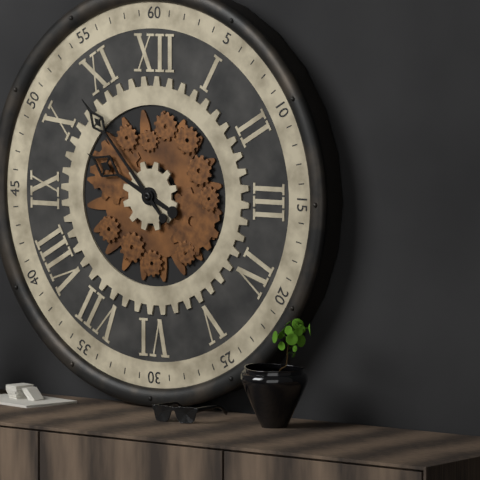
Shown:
**9:53**
